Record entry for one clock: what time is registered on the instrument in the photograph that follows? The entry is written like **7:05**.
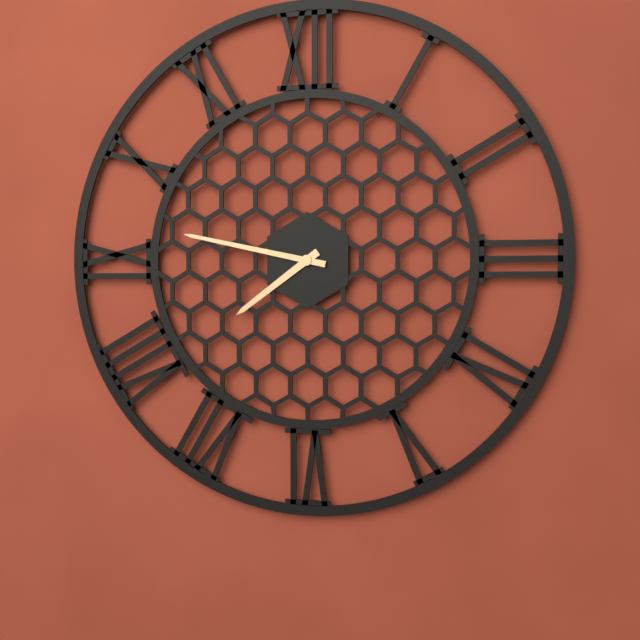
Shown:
**7:47**
